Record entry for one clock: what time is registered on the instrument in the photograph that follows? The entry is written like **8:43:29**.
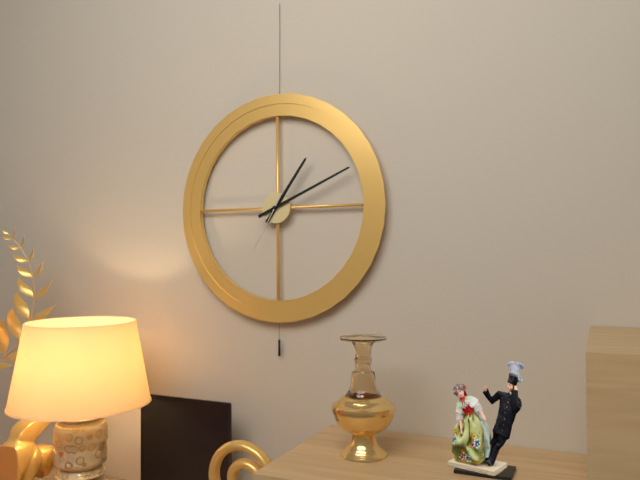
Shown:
**1:11:35**
